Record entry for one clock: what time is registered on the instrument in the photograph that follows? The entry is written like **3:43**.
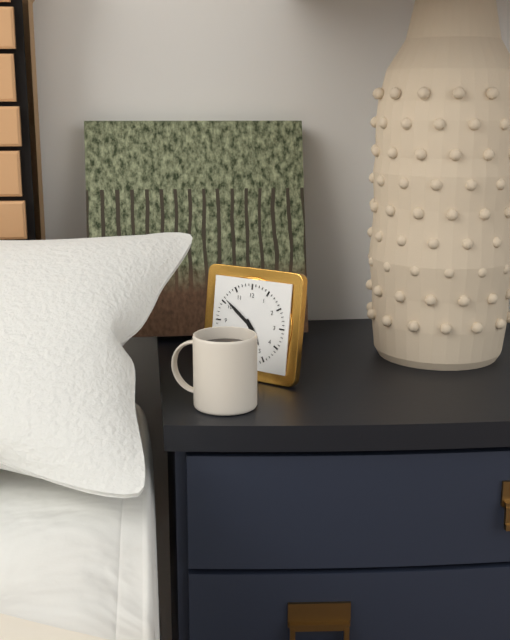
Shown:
**4:51**
